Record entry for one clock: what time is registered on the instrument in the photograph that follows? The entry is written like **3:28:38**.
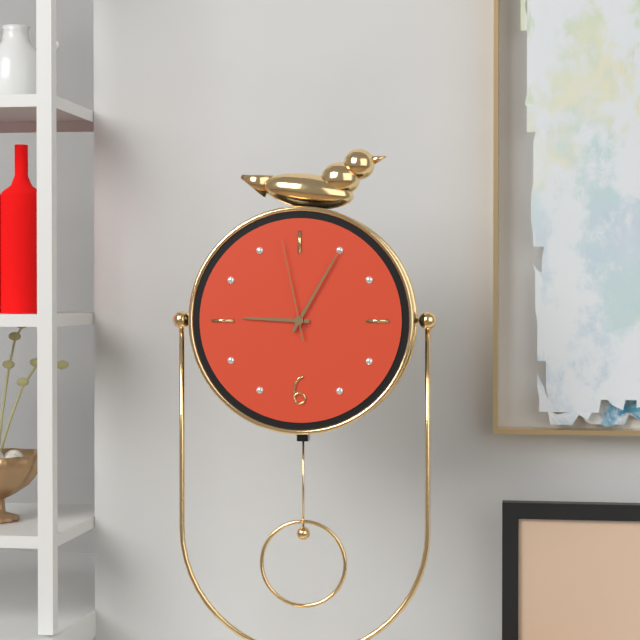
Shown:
**9:05:58**
